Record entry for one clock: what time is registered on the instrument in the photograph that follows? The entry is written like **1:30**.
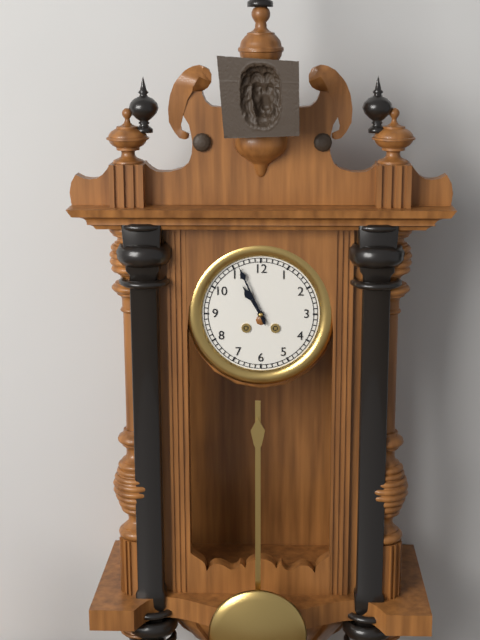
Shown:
**10:56**
